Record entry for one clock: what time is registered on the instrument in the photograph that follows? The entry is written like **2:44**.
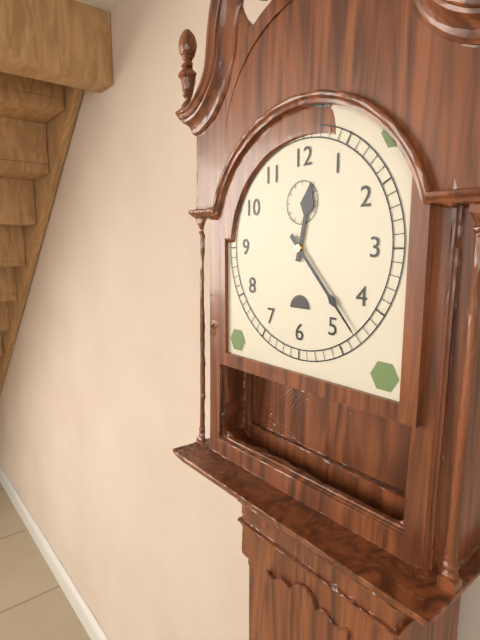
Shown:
**12:23**
